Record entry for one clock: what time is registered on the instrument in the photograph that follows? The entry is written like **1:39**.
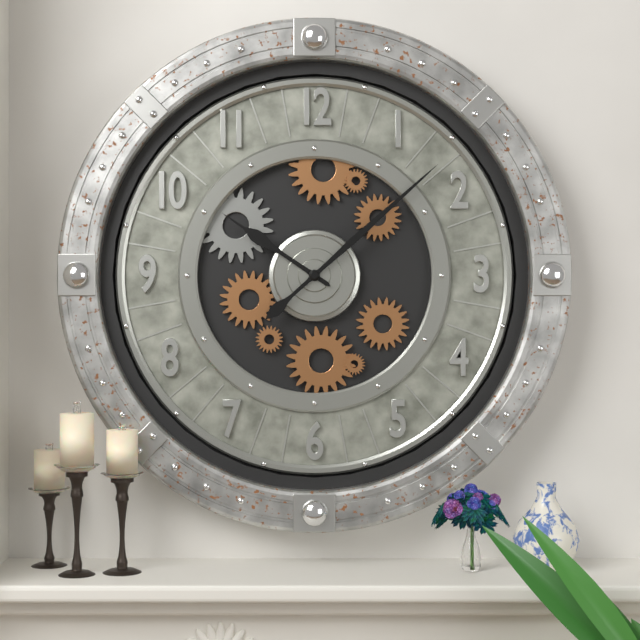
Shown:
**10:08**
